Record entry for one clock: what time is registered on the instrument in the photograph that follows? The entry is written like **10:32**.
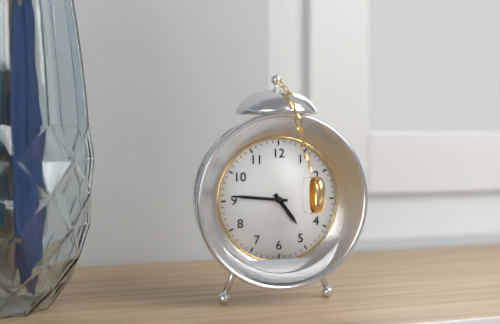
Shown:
**4:46**
